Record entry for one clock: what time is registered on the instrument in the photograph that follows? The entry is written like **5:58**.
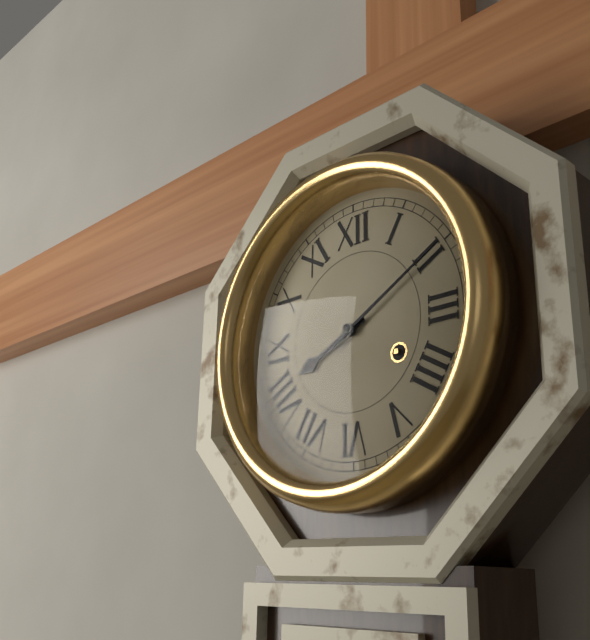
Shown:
**8:10**
